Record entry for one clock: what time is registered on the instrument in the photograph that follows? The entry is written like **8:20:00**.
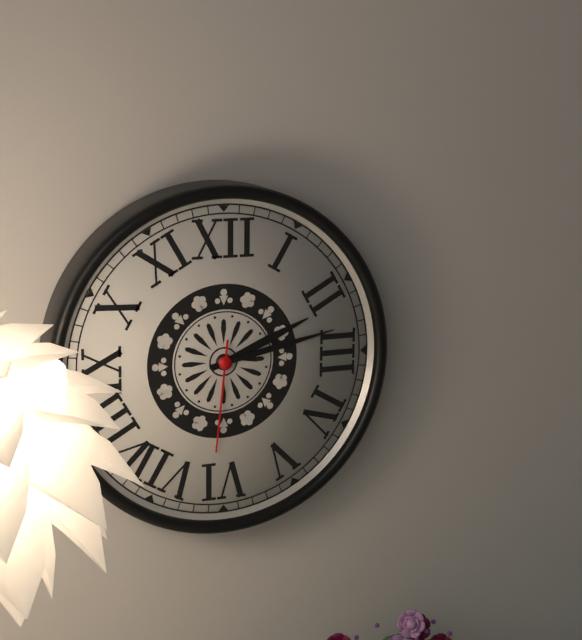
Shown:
**2:13:31**
